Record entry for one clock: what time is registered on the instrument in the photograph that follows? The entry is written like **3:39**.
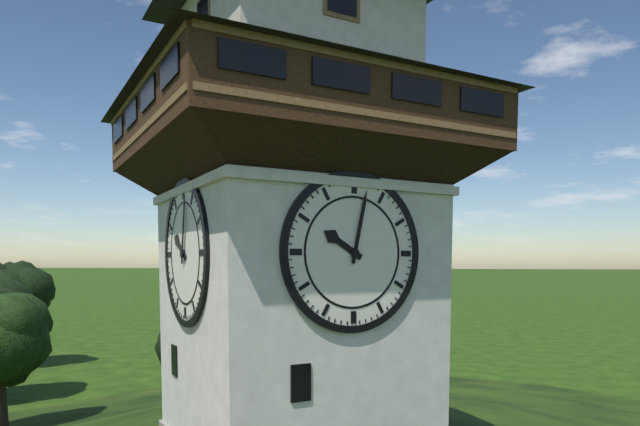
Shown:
**10:02**
